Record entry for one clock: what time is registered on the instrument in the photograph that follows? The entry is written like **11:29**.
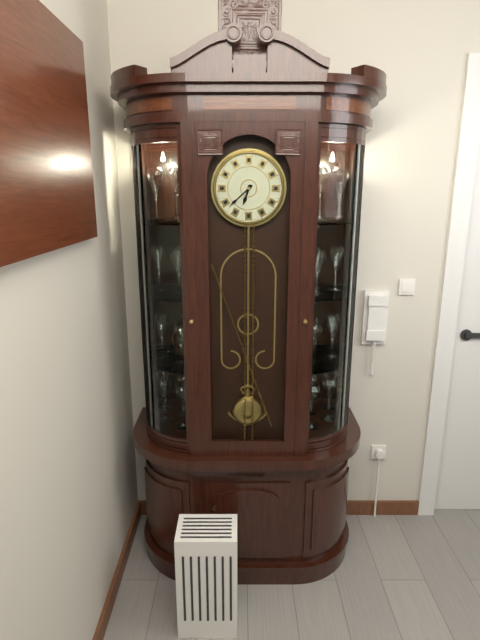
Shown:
**6:38**
